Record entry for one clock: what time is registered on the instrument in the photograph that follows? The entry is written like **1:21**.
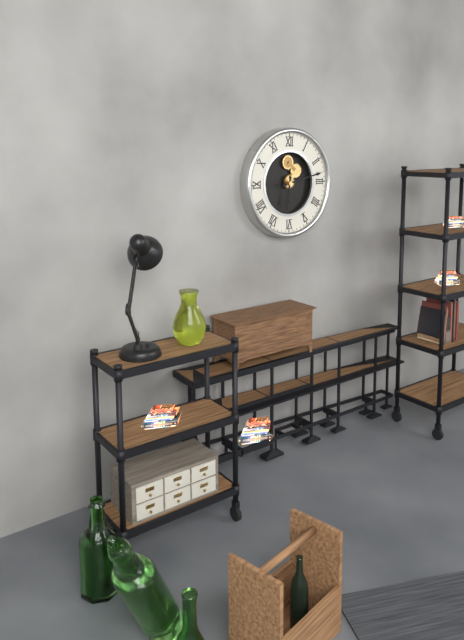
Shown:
**6:13**
